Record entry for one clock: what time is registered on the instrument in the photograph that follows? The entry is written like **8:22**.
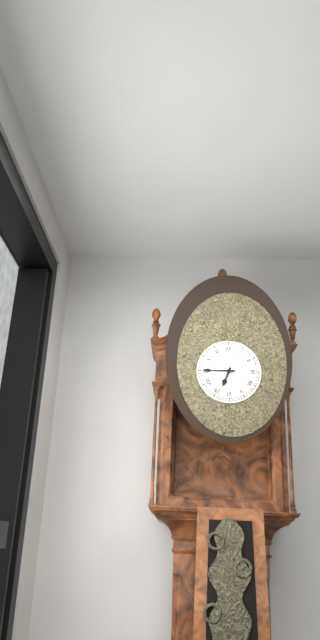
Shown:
**6:45**
